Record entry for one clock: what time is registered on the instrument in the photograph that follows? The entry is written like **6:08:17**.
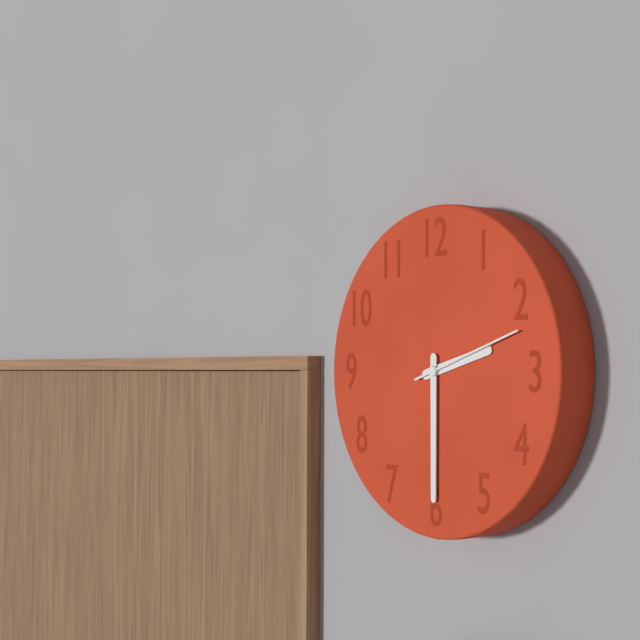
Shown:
**2:30:12**
